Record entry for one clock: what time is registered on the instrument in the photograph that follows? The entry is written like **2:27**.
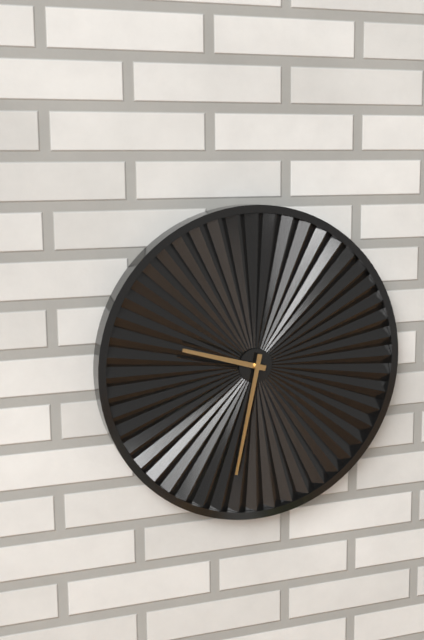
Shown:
**9:32**
